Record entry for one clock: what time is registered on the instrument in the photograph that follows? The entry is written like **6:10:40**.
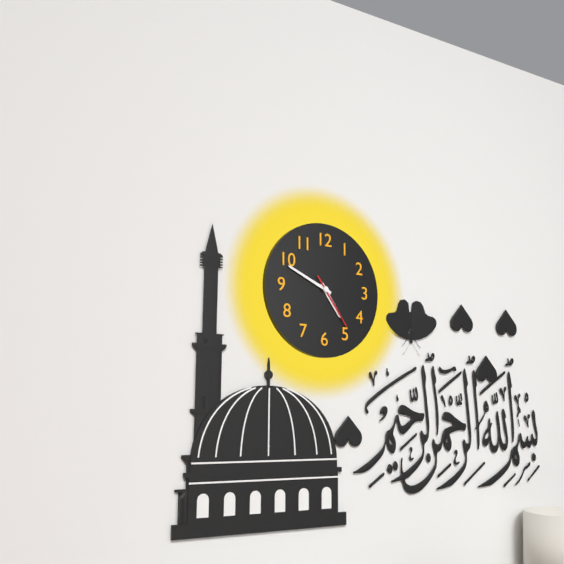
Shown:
**4:49:24**
